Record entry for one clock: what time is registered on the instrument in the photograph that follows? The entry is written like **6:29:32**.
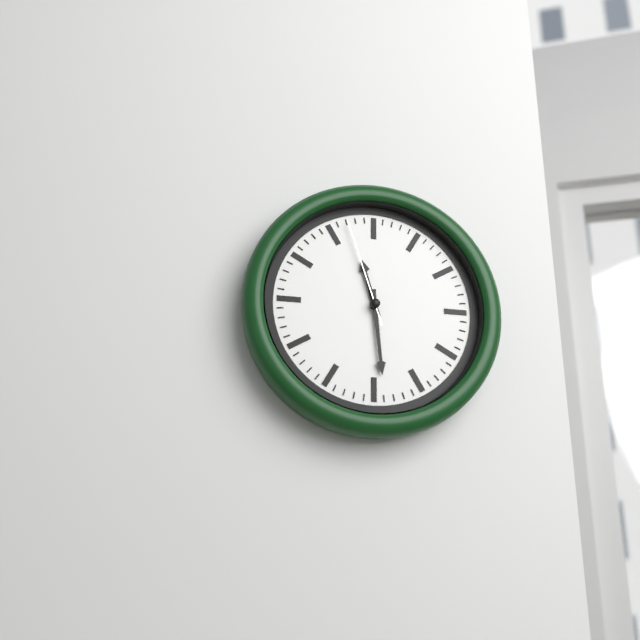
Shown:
**11:29:57**
